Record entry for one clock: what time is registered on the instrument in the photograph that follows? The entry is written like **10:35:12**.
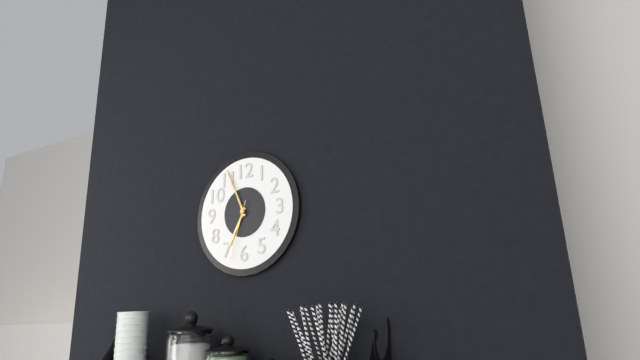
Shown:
**6:56:33**
